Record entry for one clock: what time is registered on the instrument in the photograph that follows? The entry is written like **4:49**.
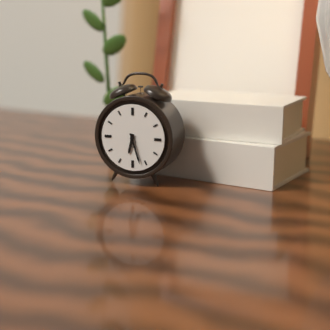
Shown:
**6:27**
